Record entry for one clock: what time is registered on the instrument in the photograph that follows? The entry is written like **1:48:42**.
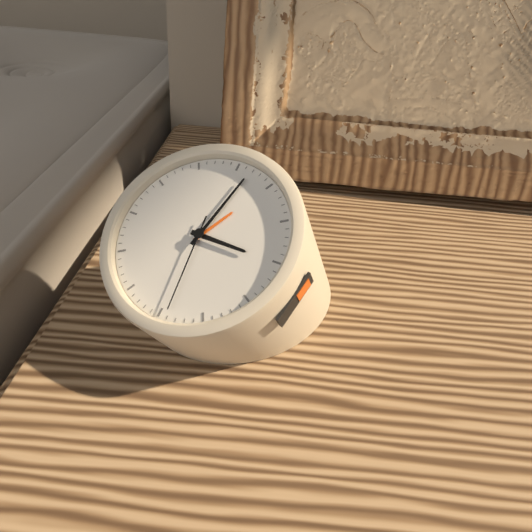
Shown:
**3:02:29**
